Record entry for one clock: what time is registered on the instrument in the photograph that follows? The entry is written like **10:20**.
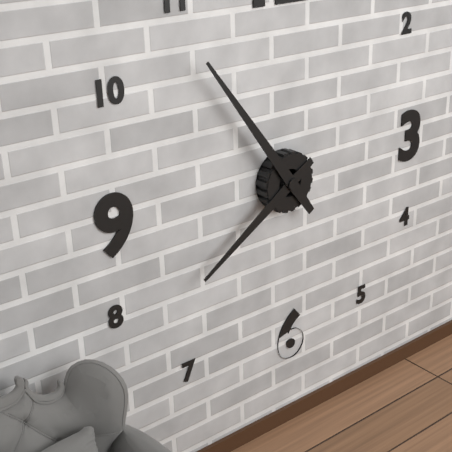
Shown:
**7:54**
